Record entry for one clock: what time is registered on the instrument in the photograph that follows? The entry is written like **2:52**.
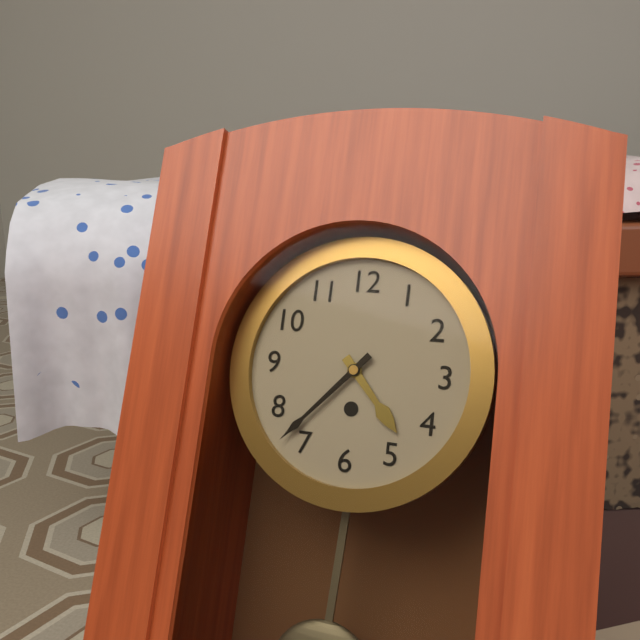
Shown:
**4:37**
